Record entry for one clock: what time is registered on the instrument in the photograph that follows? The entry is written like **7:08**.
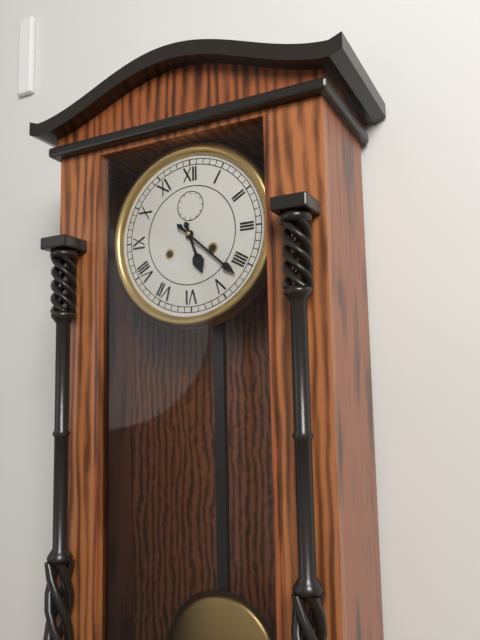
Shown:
**5:22**
